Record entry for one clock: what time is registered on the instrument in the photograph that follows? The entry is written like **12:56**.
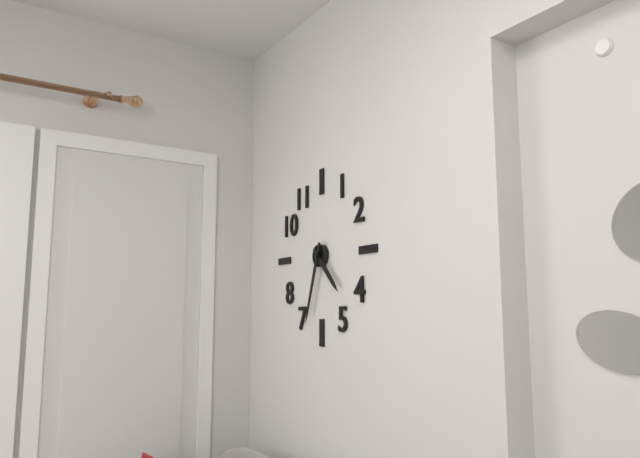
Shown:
**4:33**
